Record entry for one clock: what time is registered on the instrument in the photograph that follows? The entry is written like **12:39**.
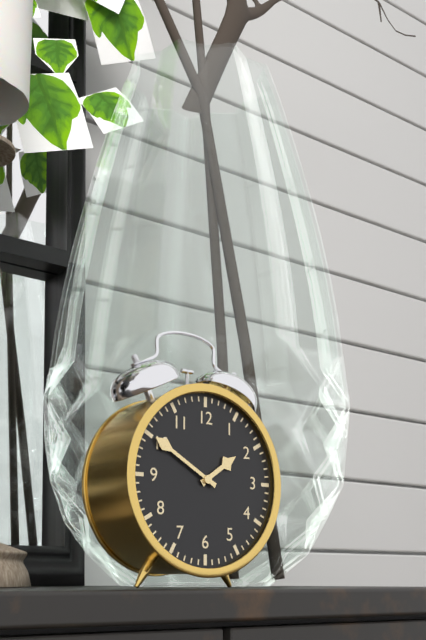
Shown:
**1:50**
